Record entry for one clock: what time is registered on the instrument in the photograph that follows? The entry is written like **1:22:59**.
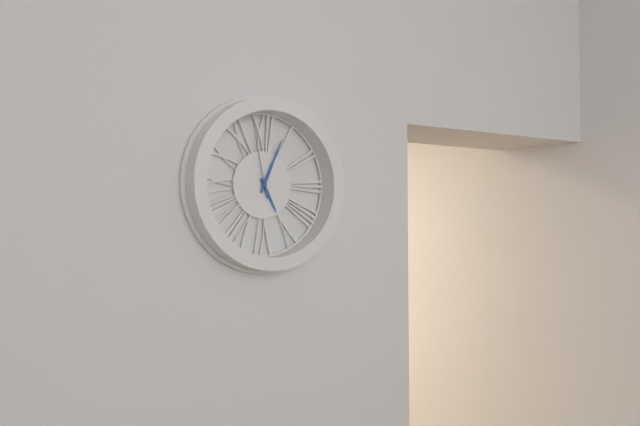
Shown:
**5:04:58**
